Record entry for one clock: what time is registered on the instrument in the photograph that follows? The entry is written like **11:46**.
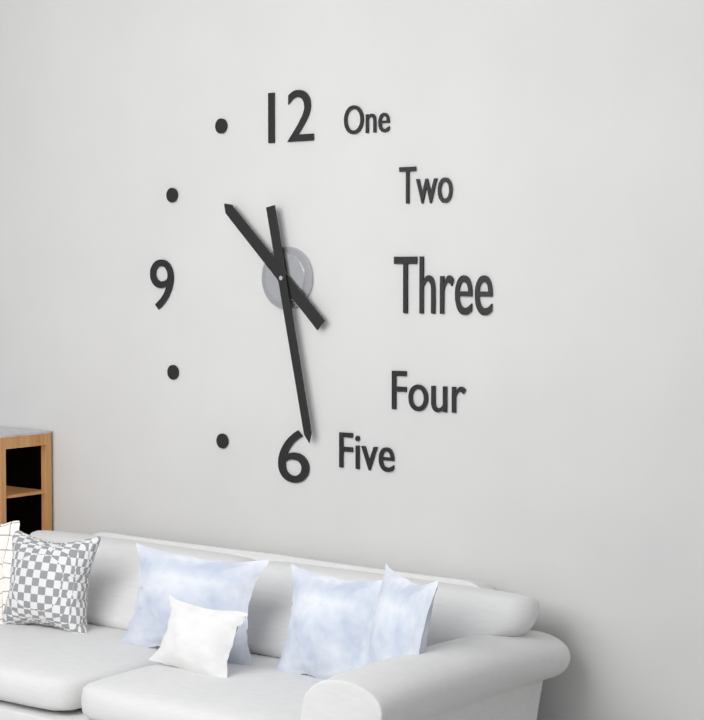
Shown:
**10:28**
